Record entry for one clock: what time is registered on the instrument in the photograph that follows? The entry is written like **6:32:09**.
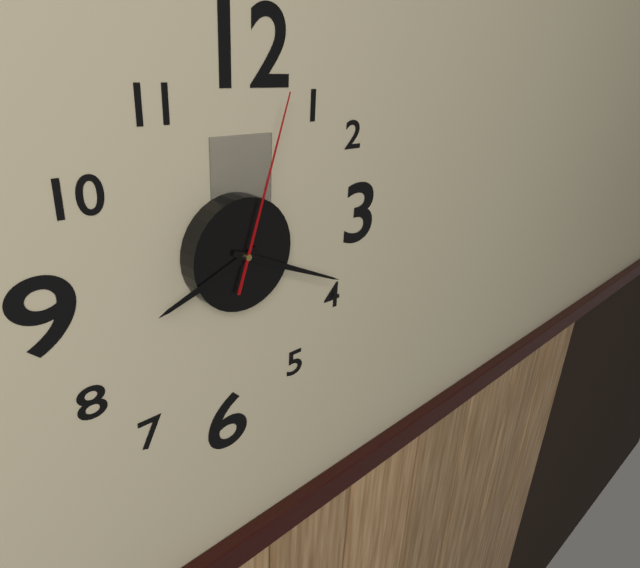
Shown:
**8:19:03**
